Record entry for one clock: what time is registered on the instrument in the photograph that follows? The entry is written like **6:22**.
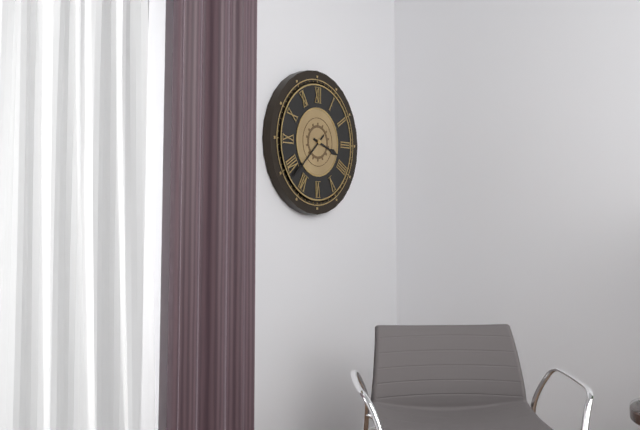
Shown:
**3:38**
